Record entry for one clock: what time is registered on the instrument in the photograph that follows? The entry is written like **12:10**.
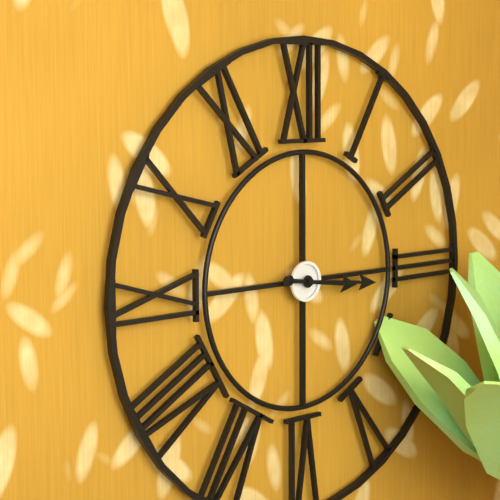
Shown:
**3:16**
